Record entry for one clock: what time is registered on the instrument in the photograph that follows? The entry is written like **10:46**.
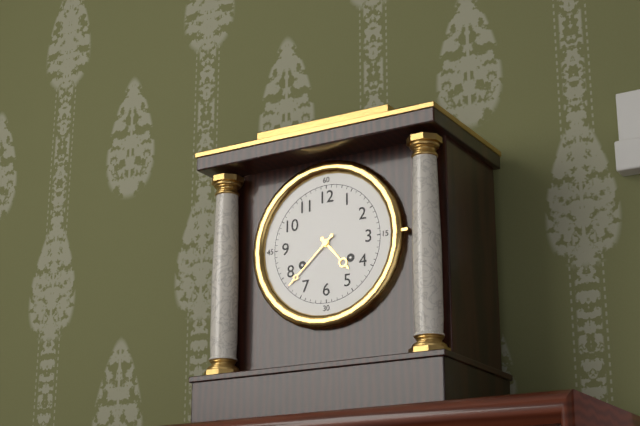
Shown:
**4:38**
